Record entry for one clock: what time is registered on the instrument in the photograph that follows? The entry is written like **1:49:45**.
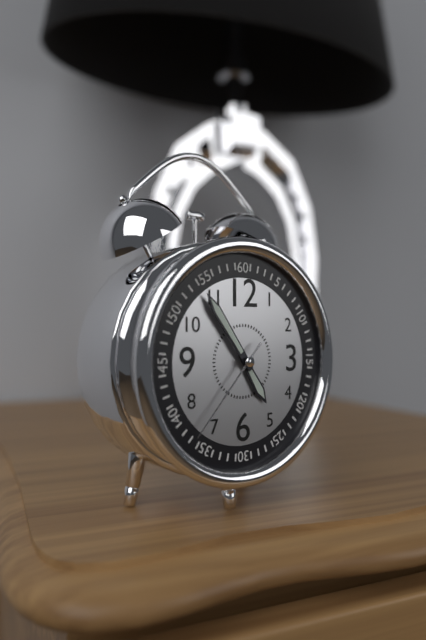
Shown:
**4:54:37**
